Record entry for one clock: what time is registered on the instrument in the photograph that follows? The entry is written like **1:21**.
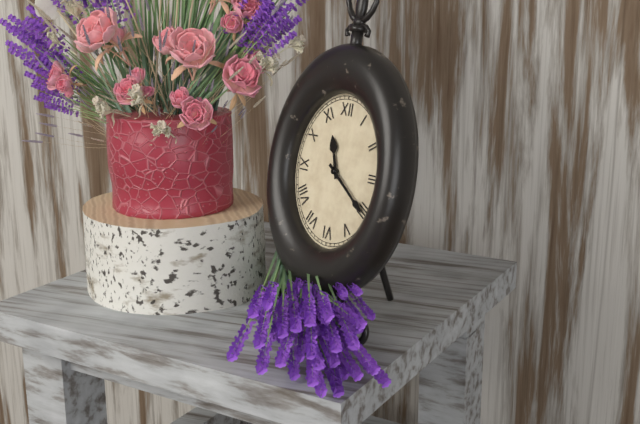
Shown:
**11:21**
